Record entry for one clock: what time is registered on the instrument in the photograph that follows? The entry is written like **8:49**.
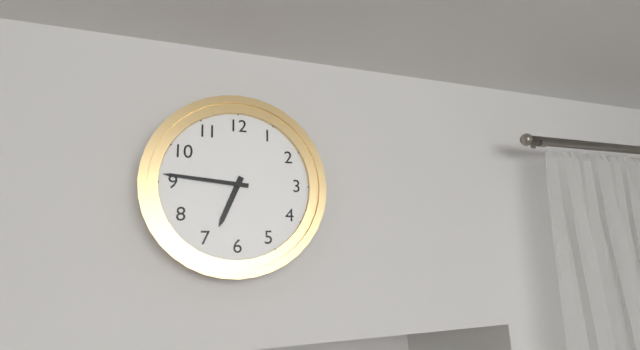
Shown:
**6:46**
